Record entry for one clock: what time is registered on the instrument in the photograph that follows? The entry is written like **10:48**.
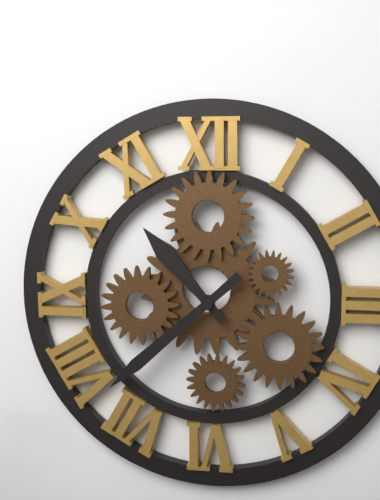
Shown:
**10:38**
